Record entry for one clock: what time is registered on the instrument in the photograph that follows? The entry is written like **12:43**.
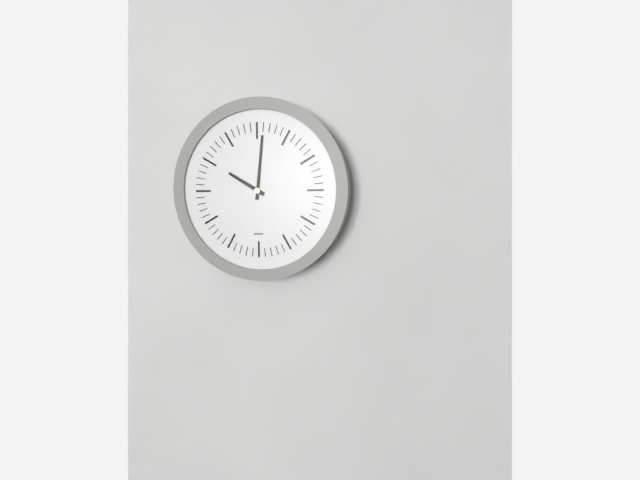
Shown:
**10:01**
